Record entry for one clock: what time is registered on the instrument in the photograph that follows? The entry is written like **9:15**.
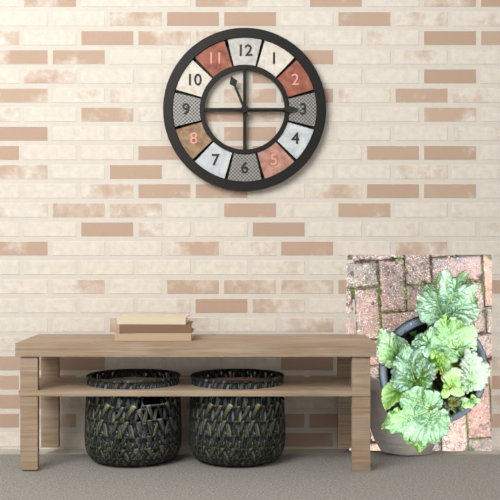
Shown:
**11:15**
